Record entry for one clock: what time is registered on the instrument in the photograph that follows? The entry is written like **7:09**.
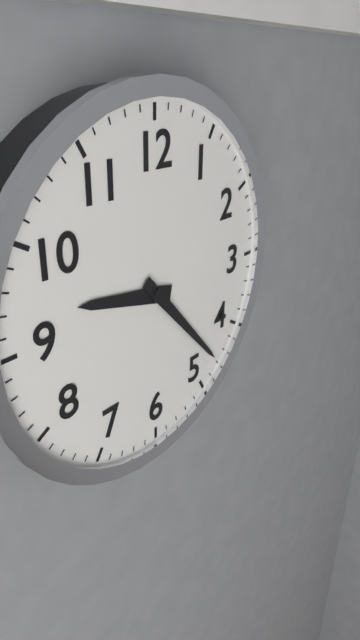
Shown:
**9:23**
